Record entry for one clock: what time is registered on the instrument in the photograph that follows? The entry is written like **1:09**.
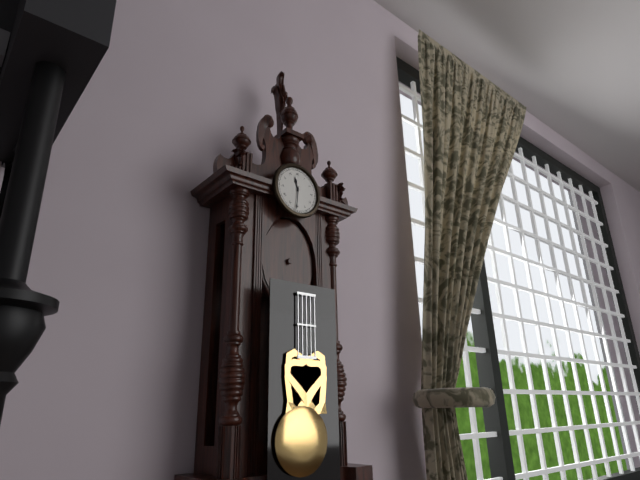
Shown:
**11:31**
